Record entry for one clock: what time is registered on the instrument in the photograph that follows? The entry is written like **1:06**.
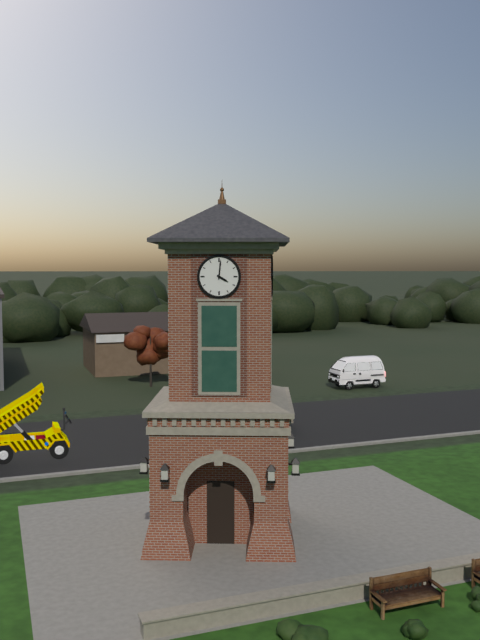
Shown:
**4:01**
